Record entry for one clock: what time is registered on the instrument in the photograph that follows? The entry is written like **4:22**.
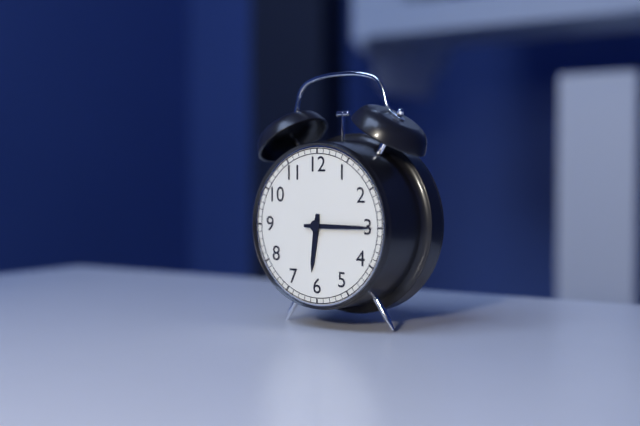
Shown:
**6:15**
